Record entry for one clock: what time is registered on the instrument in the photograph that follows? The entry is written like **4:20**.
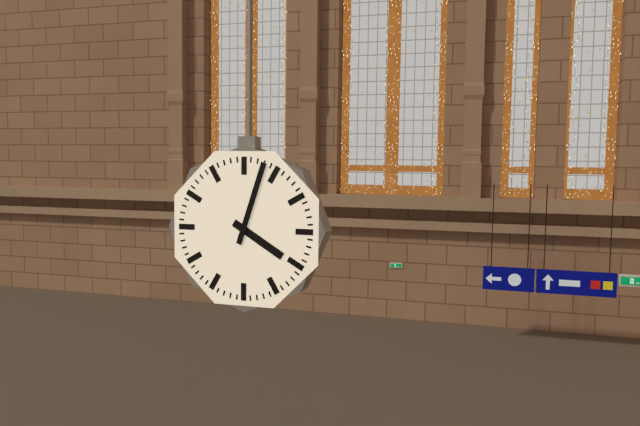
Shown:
**4:03**
